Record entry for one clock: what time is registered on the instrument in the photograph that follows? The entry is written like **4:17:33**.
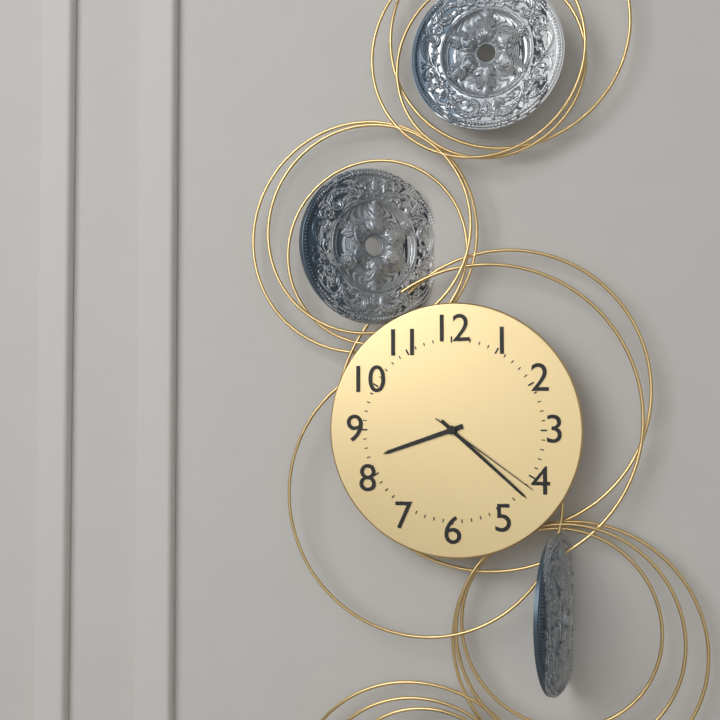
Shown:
**8:22:21**
